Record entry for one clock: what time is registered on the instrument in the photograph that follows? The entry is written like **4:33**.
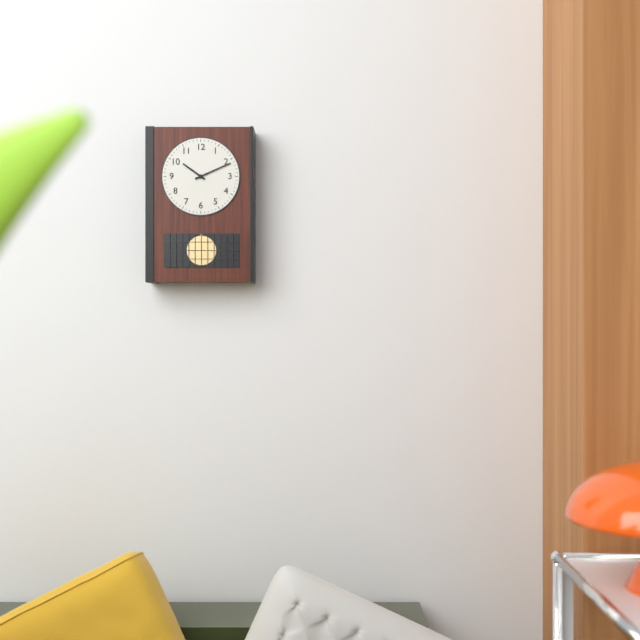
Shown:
**10:11**
